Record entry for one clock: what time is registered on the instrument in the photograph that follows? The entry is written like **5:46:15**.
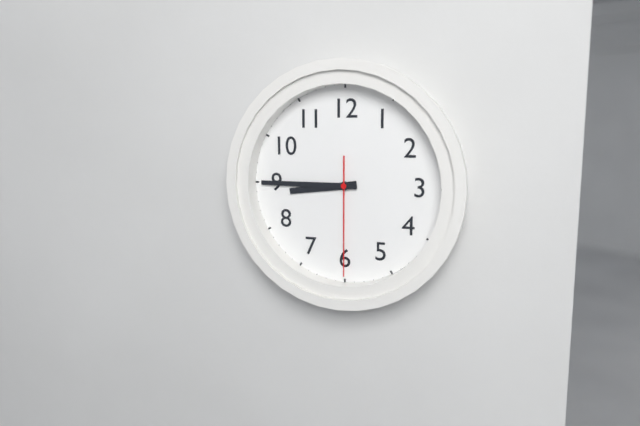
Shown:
**8:45:30**
